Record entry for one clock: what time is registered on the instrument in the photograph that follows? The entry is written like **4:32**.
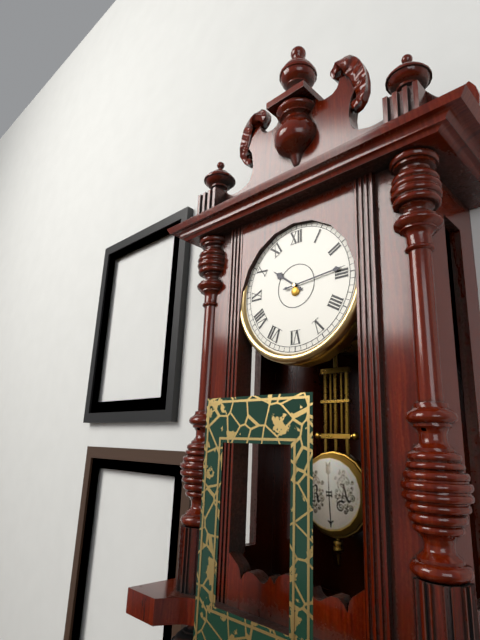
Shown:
**10:14**
